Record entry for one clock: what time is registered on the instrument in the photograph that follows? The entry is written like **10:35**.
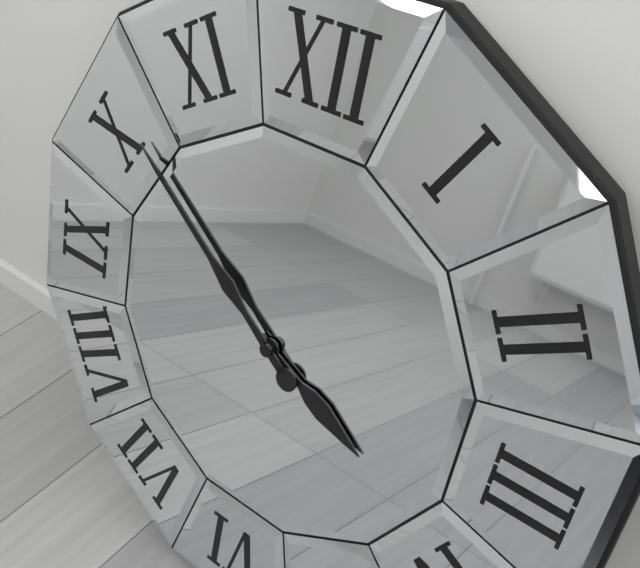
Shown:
**3:51**
